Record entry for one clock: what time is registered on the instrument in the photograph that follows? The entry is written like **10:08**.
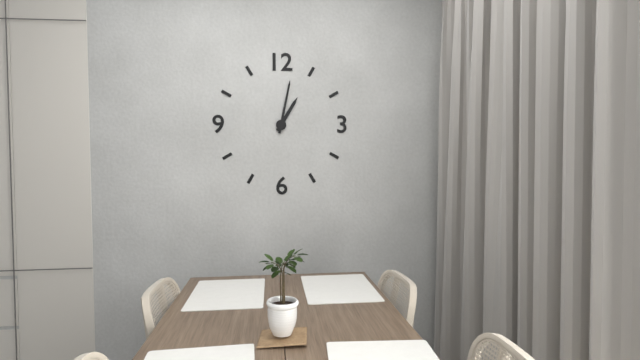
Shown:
**1:02**
